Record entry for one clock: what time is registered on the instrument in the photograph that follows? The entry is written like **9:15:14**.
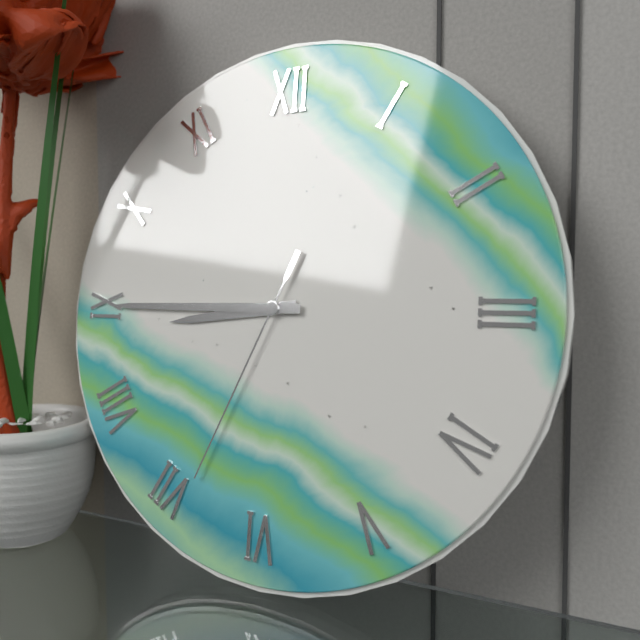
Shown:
**8:45:34**
